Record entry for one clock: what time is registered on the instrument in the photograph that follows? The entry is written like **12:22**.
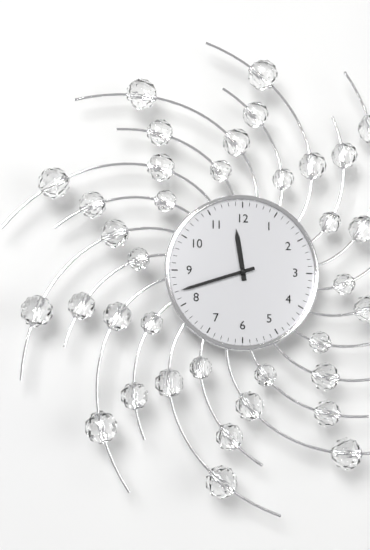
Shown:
**11:42**
